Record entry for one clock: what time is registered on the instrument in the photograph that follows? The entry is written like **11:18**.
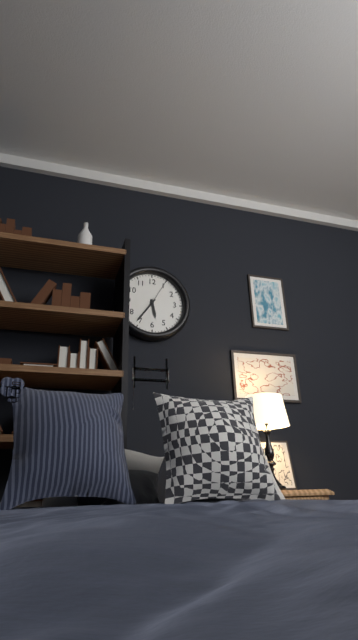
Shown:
**5:36**
